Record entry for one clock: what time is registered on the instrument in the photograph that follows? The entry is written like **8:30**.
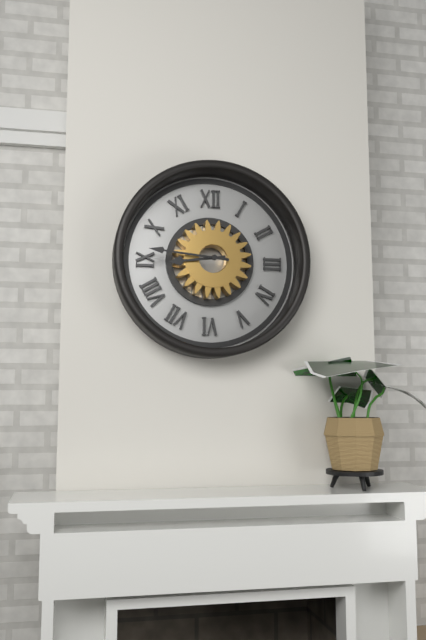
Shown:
**8:46**
